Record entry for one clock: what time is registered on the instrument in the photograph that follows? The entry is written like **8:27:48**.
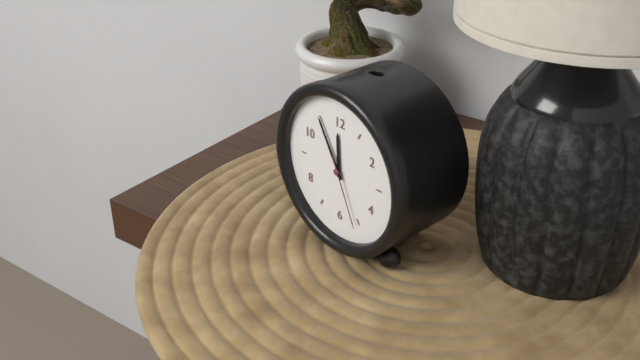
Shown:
**11:55:26**
